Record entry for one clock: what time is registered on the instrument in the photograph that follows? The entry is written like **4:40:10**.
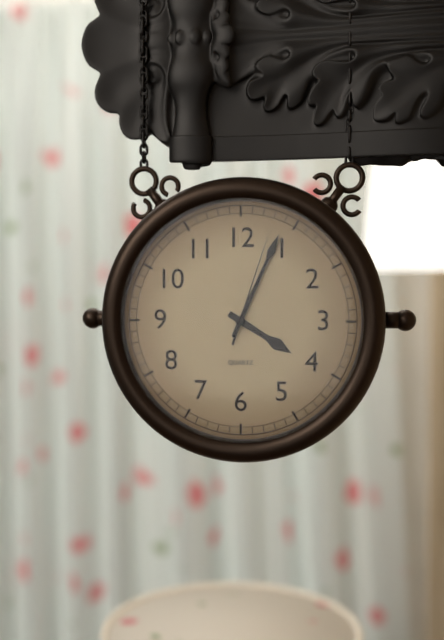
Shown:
**4:04:03**
